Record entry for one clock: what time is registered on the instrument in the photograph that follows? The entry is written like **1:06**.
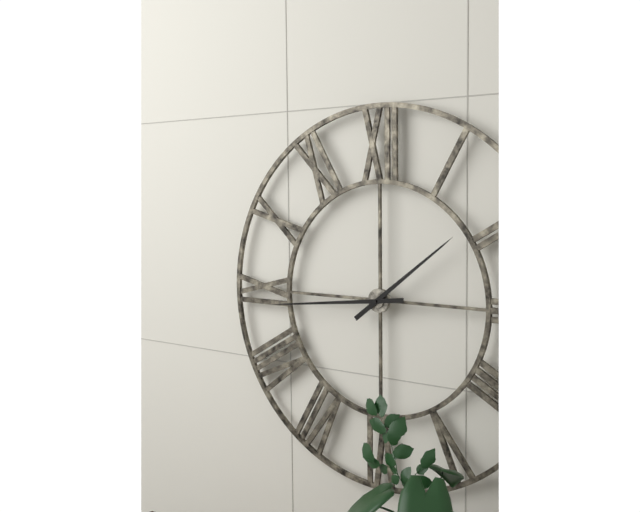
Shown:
**1:44**
